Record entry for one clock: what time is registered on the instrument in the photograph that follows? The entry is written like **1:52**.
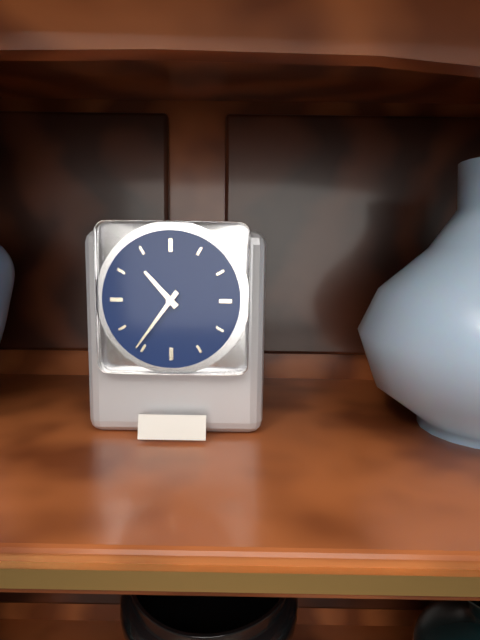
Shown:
**10:36**
